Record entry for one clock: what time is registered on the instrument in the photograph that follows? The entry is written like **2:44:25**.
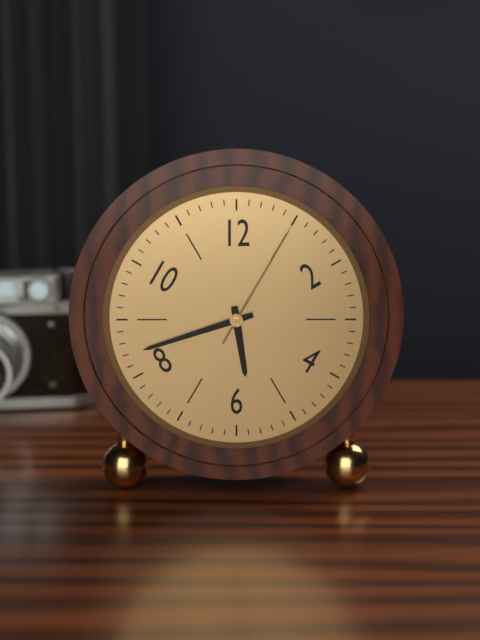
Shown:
**5:42:05**
